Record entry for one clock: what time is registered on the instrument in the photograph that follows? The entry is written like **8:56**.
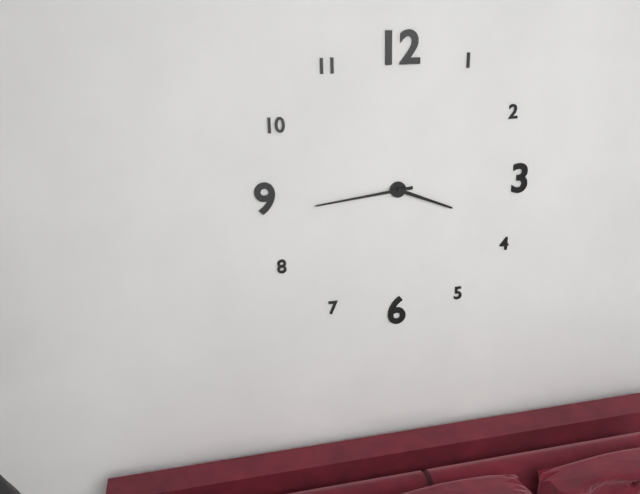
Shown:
**3:44**
